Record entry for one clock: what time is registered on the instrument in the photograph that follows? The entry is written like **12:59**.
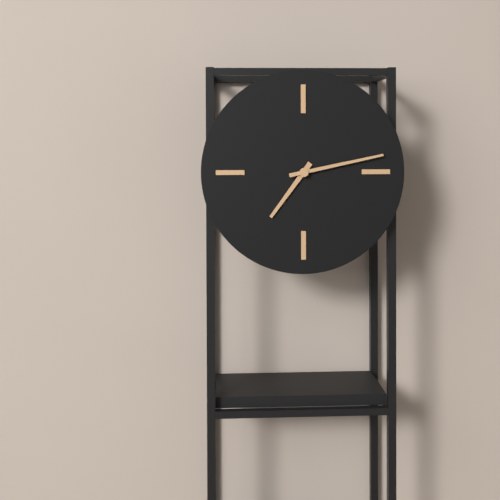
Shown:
**7:13**
